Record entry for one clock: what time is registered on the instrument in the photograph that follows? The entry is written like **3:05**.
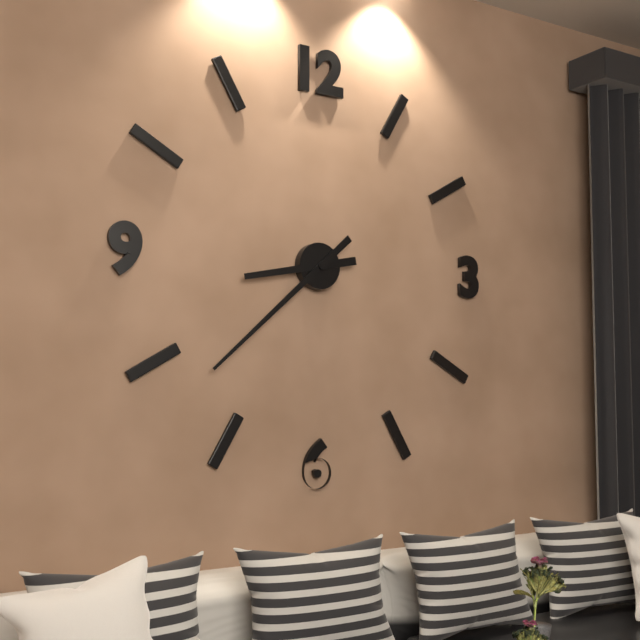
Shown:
**8:38**
